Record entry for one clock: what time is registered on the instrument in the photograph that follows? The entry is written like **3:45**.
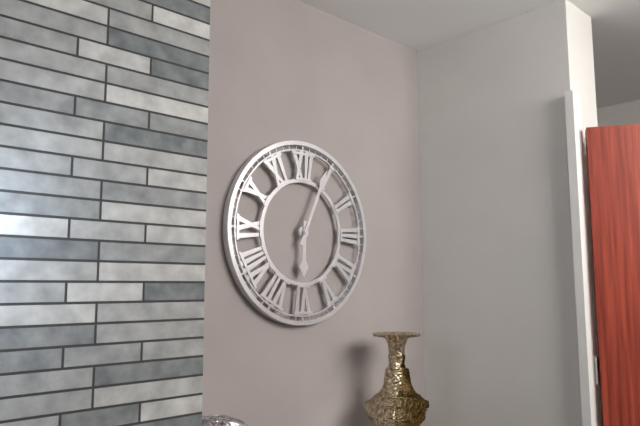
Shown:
**6:04**
